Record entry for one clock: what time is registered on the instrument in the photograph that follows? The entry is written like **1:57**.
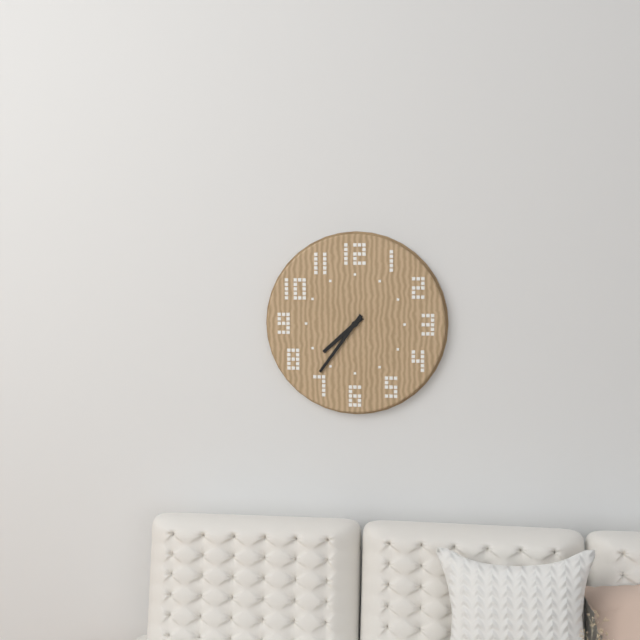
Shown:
**7:36**
